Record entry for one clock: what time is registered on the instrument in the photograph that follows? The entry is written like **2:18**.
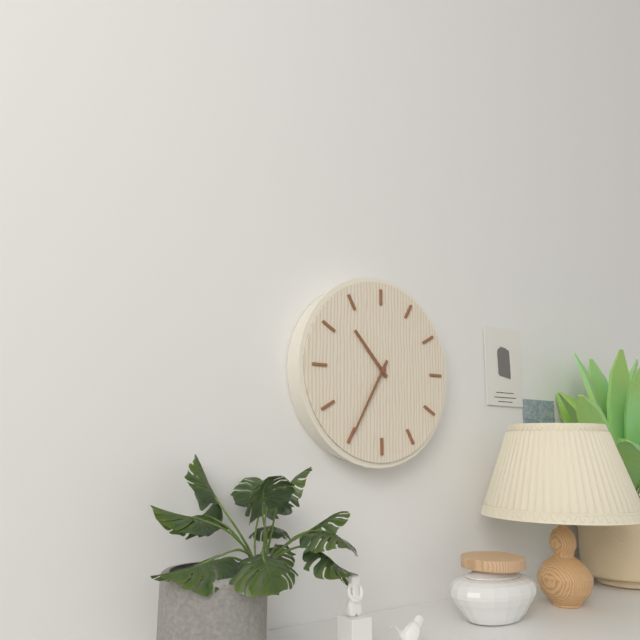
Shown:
**10:35**
